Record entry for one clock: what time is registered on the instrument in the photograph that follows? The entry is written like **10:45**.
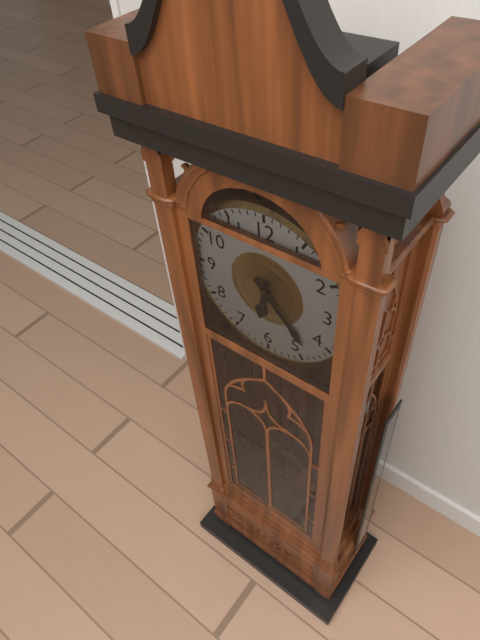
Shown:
**6:23**
